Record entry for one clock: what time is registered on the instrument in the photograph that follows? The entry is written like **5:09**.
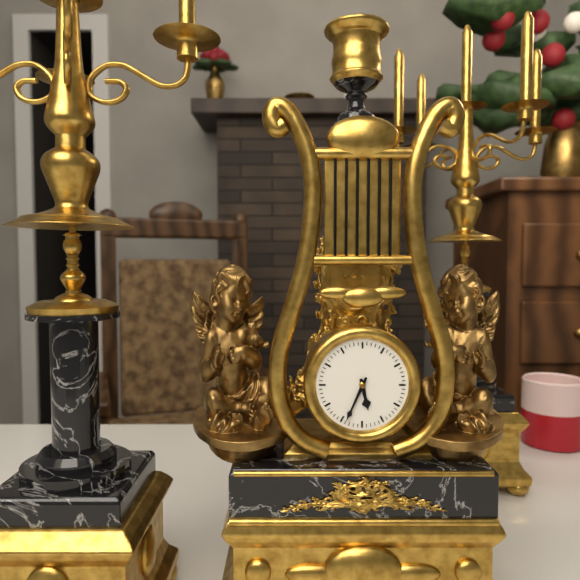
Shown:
**5:34**
